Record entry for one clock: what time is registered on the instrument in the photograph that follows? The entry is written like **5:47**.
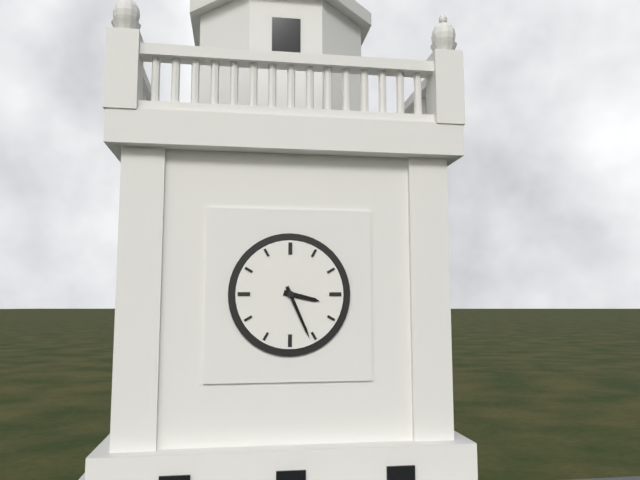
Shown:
**3:26**
